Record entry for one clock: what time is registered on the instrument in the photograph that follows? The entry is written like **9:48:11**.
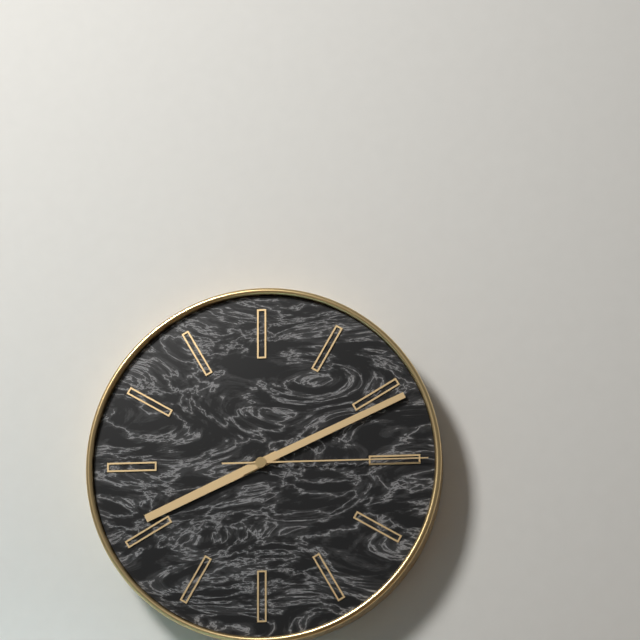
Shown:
**8:11:15**
